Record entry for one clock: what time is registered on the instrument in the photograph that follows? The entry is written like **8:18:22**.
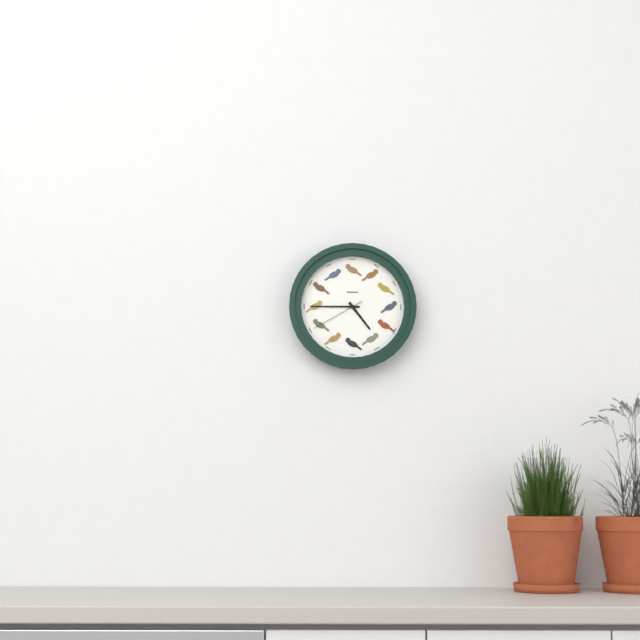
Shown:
**4:45:40**
